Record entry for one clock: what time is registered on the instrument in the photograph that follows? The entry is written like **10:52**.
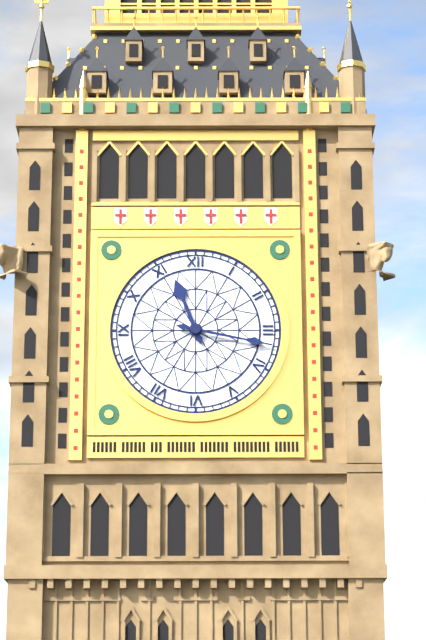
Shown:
**11:17**
